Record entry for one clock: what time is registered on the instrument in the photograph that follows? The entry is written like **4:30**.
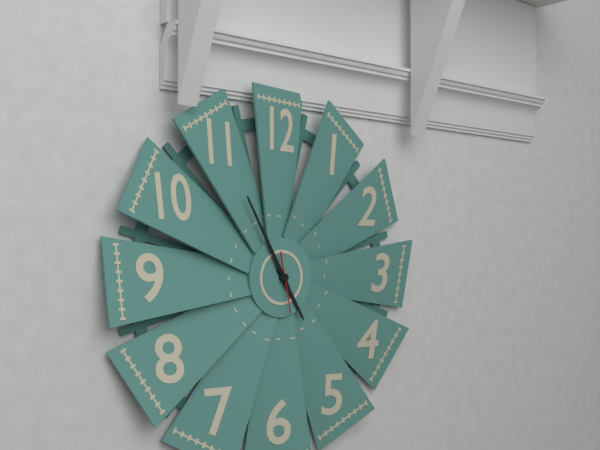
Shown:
**4:55**
